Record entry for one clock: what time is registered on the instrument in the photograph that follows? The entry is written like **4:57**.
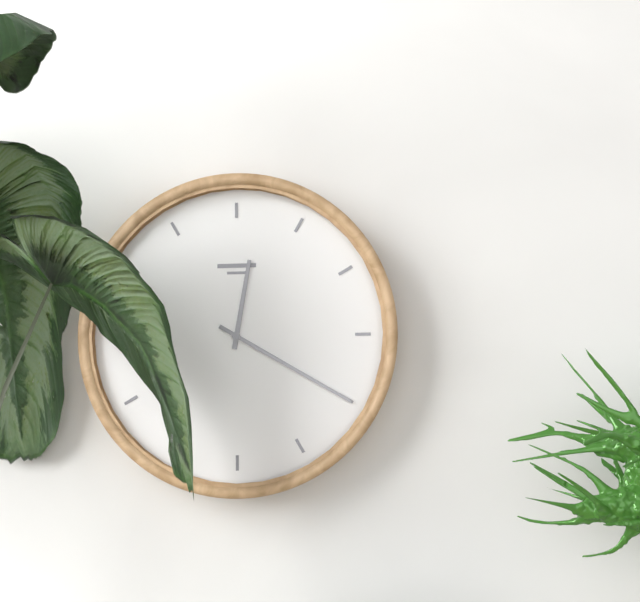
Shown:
**12:20**
